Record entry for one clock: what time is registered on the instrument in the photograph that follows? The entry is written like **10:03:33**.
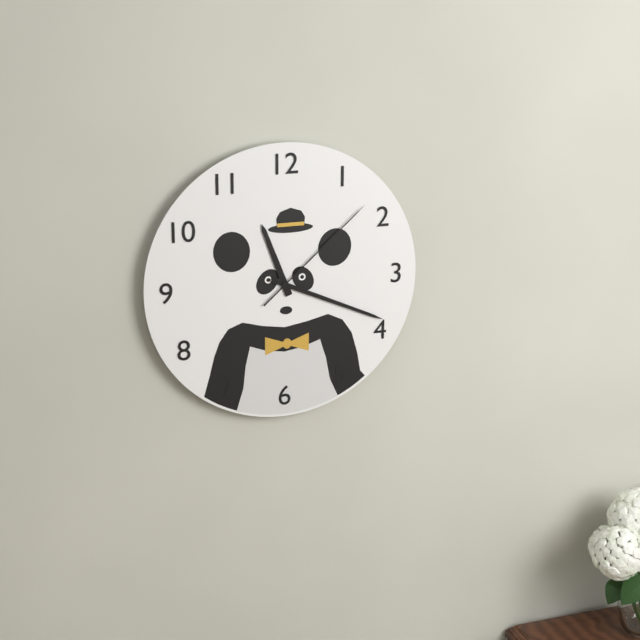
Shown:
**11:19:08**
